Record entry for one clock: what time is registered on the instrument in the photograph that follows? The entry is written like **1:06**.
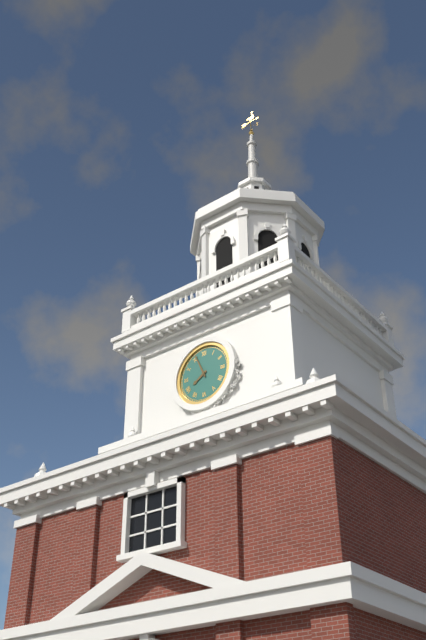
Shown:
**7:56**
